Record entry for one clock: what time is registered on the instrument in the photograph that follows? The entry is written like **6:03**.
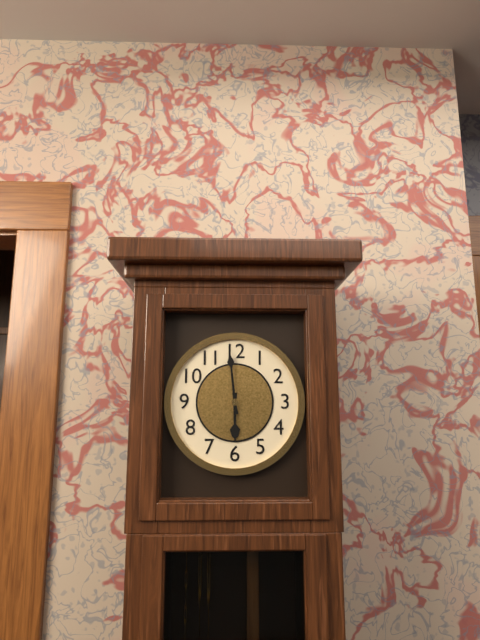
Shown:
**5:59**
